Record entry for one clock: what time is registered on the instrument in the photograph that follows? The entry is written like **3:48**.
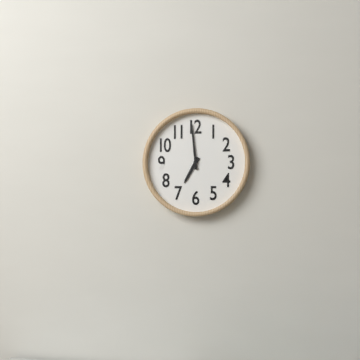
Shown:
**6:59**
